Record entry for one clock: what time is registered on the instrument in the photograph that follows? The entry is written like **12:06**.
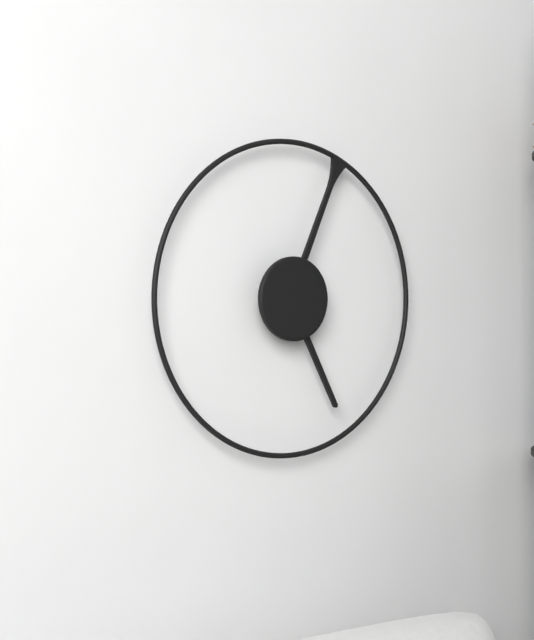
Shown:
**5:04**
